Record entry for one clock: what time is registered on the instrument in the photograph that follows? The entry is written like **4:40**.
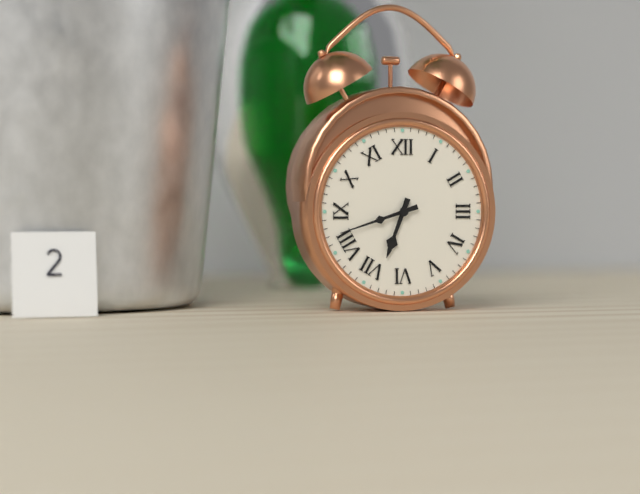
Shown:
**6:42**
